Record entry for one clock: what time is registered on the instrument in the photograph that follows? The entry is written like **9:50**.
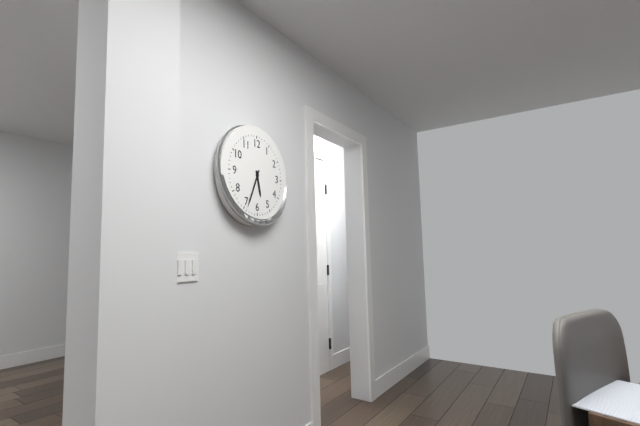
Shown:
**5:34**
